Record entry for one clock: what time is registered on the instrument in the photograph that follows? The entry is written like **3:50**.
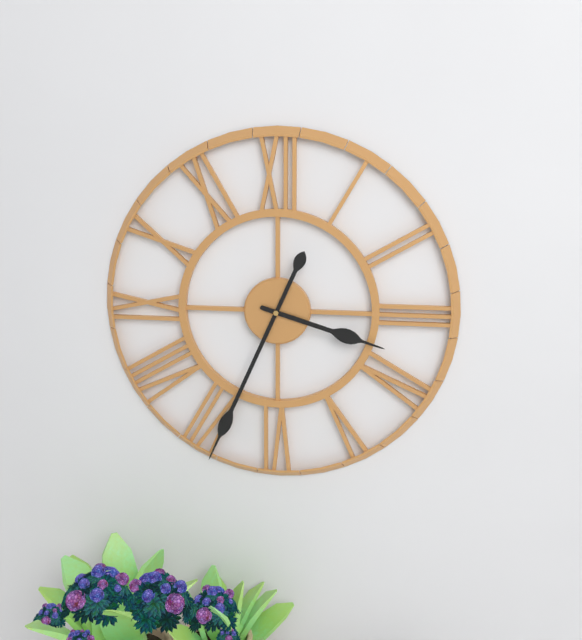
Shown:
**3:34**
